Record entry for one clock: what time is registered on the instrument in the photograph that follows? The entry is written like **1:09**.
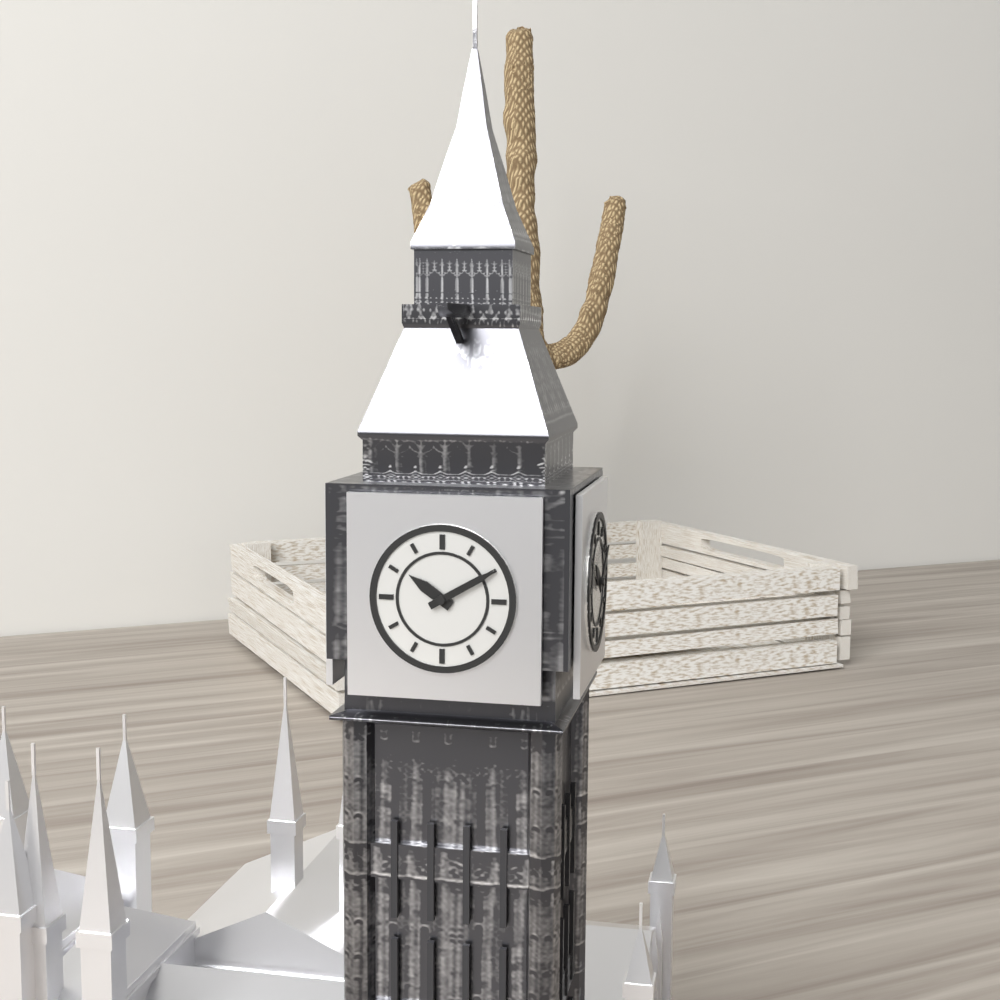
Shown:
**10:10**
